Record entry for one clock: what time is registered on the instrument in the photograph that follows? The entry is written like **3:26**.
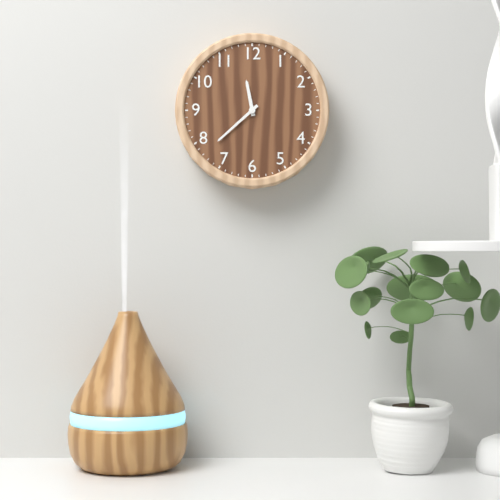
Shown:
**11:38**
